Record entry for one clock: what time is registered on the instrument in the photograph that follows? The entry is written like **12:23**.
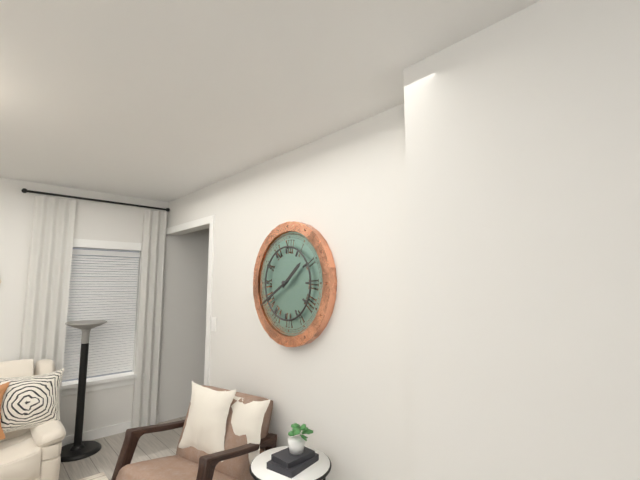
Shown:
**1:40**
